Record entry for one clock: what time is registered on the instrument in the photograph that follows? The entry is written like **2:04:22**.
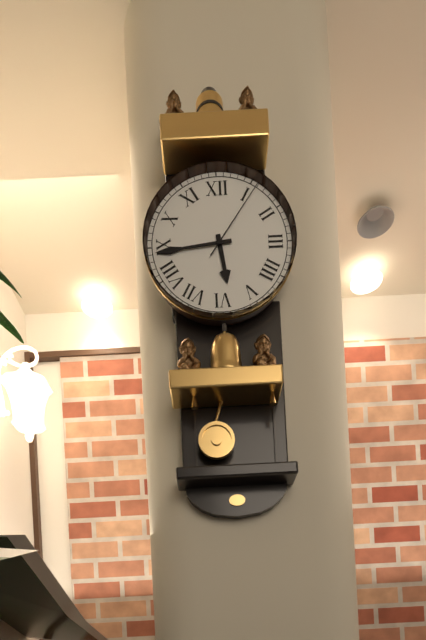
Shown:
**5:44:06**
